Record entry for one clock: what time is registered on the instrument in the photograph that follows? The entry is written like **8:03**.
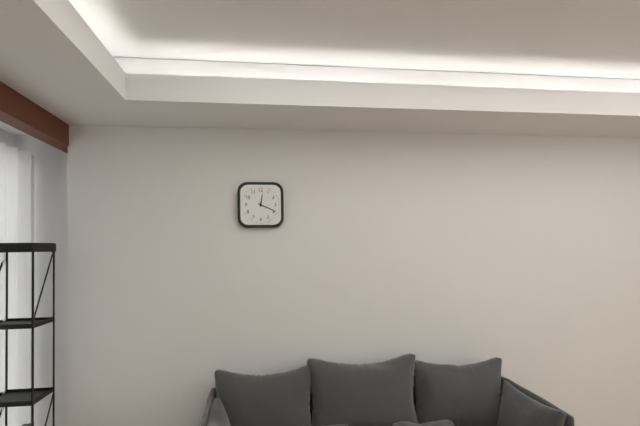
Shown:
**12:19**
